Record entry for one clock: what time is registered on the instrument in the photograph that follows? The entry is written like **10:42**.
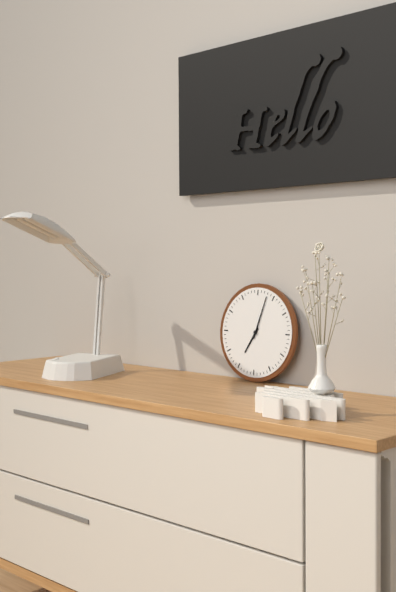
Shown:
**7:03**
